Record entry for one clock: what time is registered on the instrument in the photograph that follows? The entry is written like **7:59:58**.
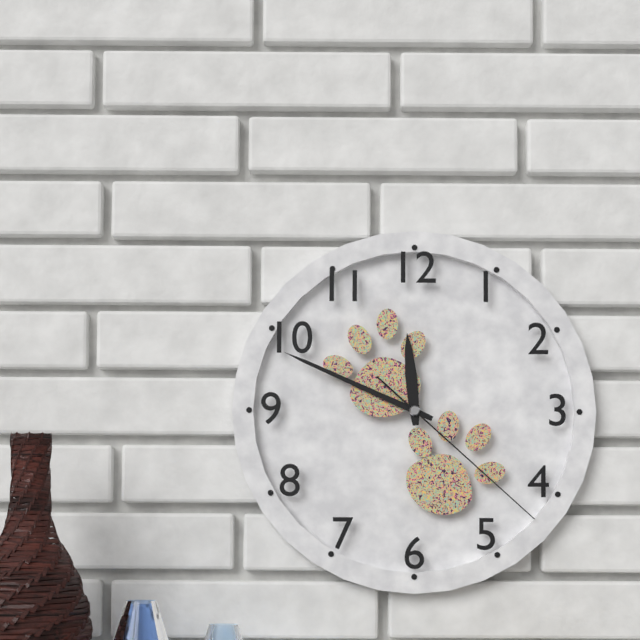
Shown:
**11:49:22**
